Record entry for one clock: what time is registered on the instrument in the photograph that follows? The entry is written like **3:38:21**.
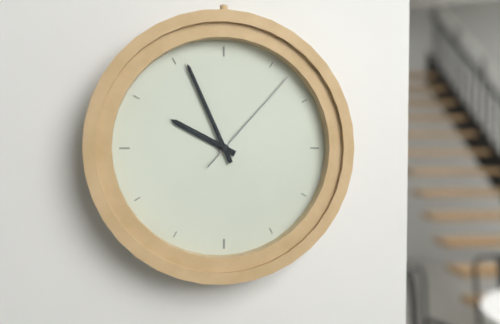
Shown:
**9:56:07**
